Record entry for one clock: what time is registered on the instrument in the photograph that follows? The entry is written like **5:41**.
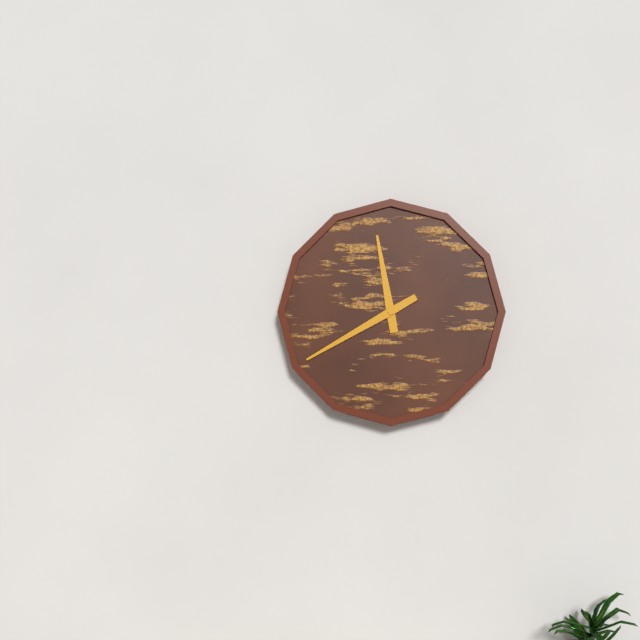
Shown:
**11:40**
